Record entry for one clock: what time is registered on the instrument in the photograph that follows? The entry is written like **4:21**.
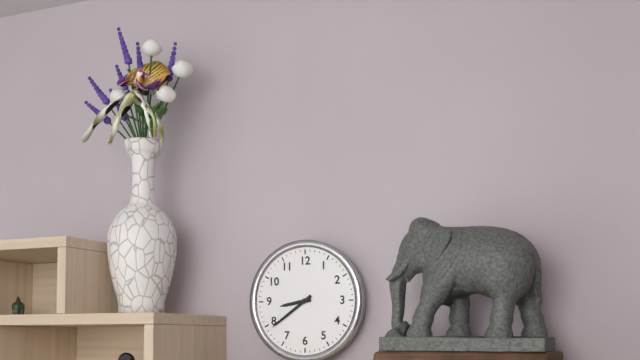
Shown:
**8:39**
